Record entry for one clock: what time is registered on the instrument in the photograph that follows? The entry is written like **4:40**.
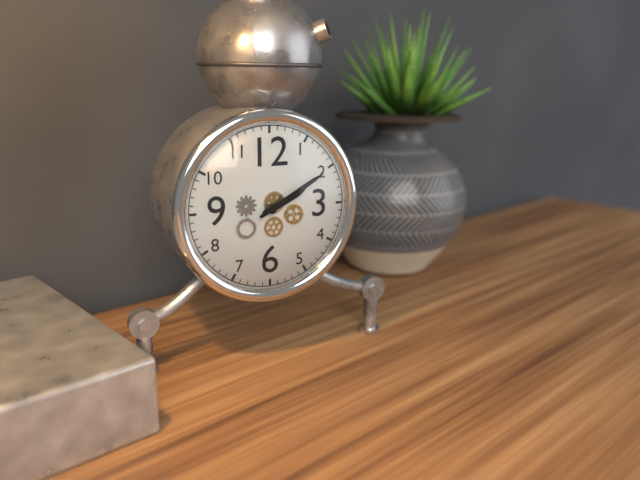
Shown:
**2:10**
